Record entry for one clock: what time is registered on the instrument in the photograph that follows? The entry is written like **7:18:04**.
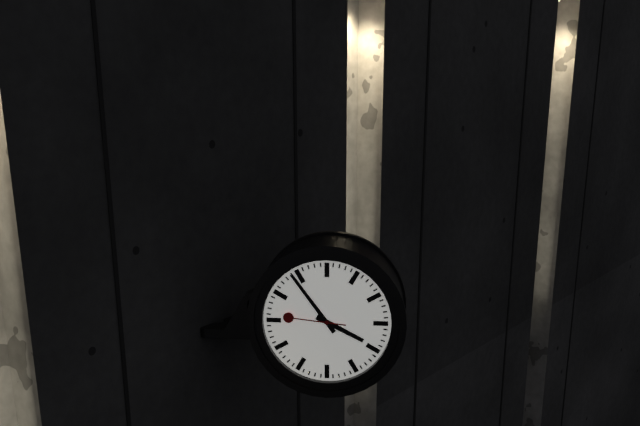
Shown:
**3:54:46**
